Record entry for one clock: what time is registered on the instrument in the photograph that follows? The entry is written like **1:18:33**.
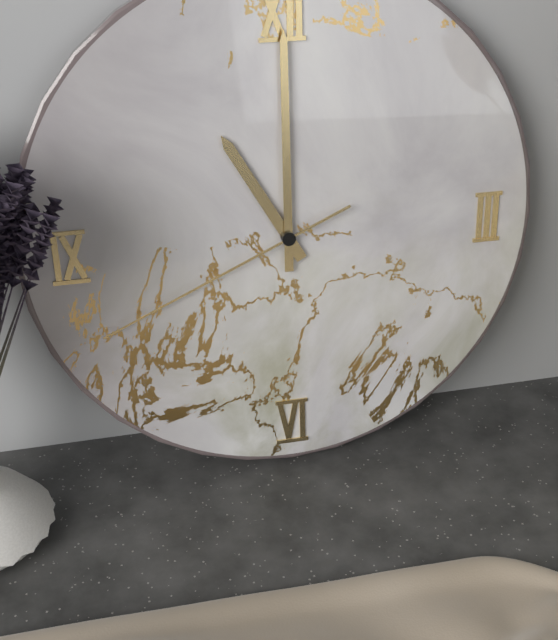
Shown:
**11:00:41**
